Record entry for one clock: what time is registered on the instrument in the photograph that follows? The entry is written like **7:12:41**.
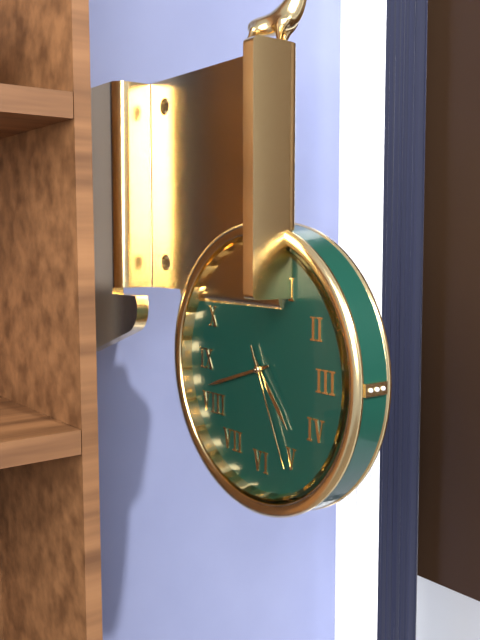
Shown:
**4:42:26**
